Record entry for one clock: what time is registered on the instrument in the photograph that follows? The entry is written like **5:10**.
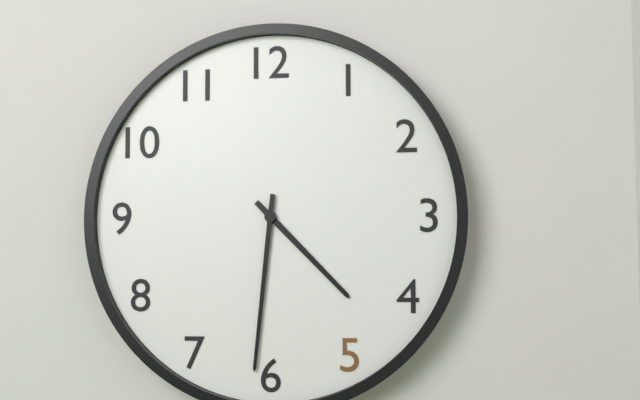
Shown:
**4:31**
